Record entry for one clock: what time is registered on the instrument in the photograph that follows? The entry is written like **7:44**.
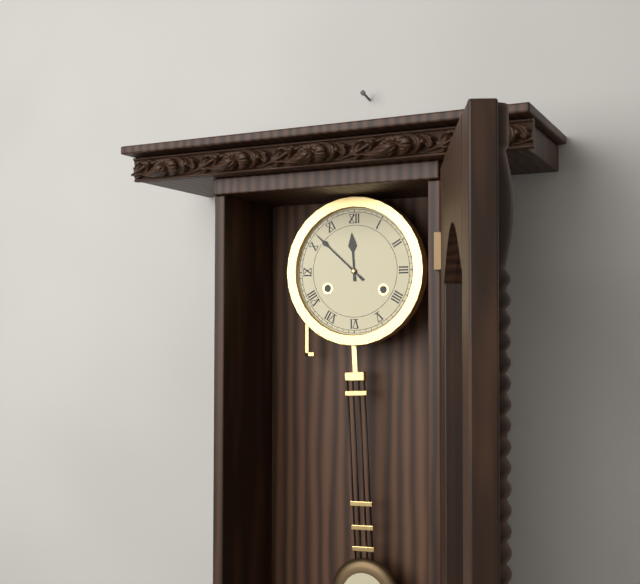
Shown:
**11:52**
